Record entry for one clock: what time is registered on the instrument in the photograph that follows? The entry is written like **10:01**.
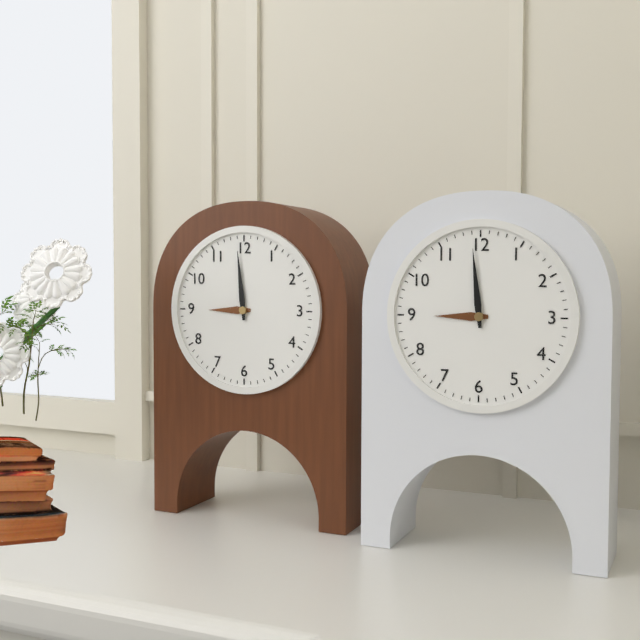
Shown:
**8:59**
